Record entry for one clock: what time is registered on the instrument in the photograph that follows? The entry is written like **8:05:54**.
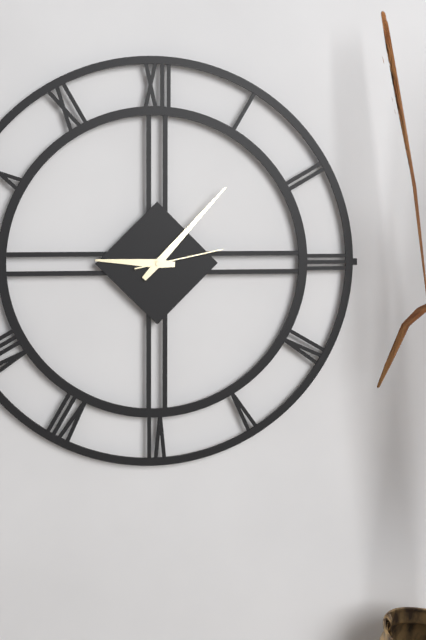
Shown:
**9:07:13**
